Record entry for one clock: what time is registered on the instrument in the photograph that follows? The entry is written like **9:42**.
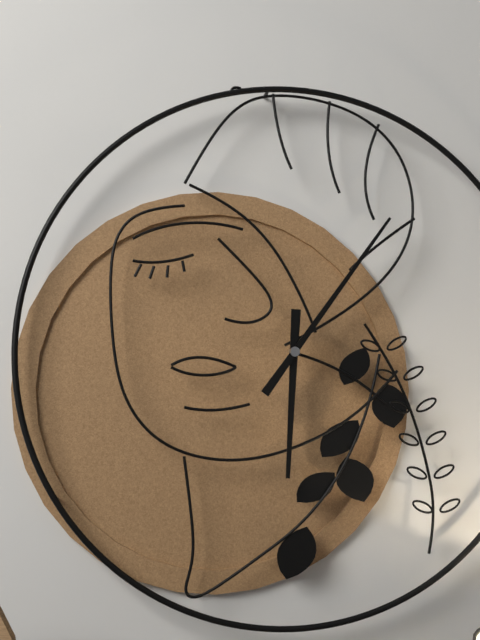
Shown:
**6:06**
